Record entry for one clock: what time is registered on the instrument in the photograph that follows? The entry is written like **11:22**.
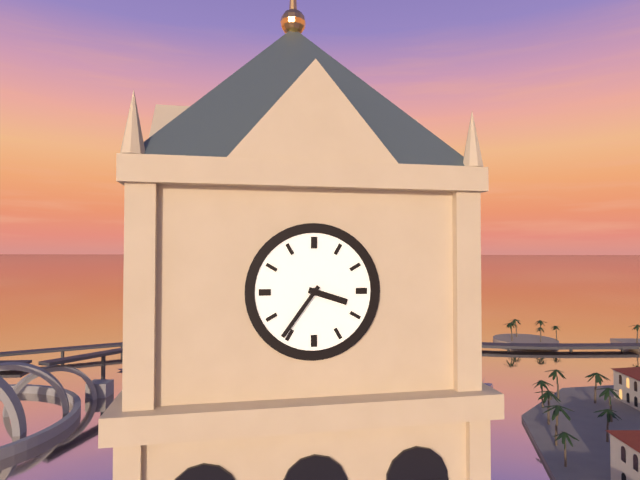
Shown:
**3:36**
